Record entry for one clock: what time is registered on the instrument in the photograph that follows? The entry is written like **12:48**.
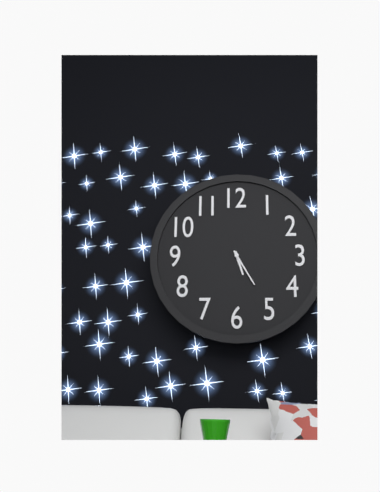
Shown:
**5:25**
